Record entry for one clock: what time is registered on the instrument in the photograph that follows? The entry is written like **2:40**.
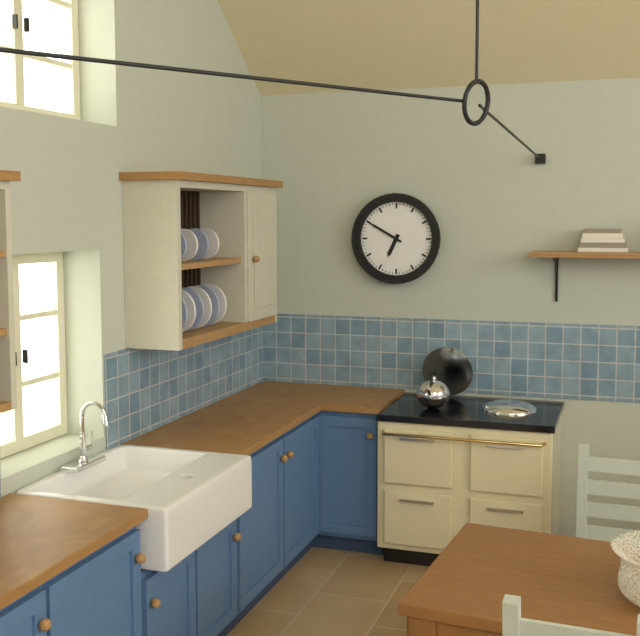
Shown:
**6:50**
